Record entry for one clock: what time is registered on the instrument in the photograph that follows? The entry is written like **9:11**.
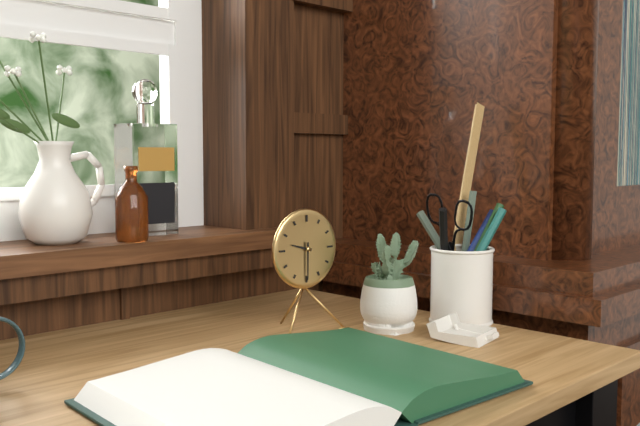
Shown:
**9:30**
